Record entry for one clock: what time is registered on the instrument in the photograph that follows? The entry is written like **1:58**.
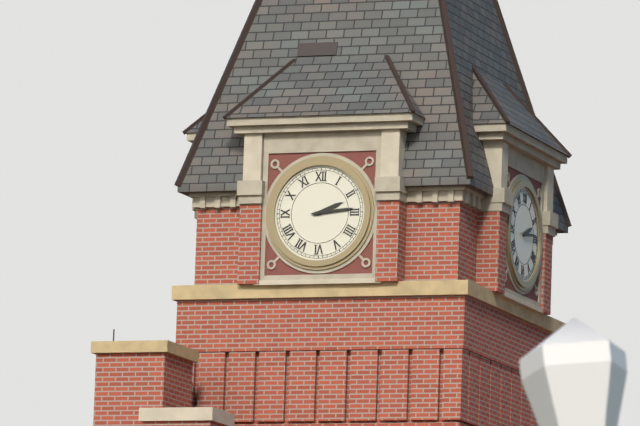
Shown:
**2:14**
